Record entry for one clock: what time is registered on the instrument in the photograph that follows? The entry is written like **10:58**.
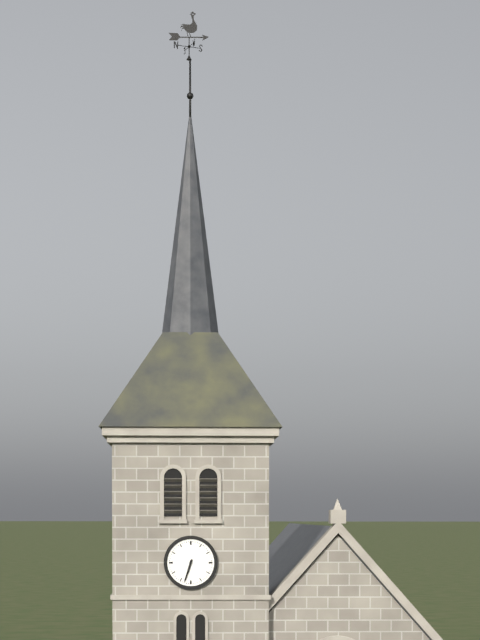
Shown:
**6:33**
